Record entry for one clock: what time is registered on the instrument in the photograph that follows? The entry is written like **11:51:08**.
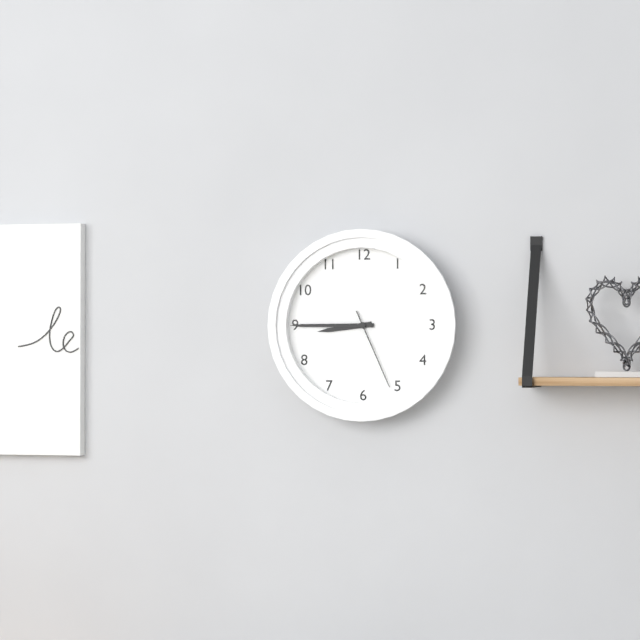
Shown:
**8:45:26**
